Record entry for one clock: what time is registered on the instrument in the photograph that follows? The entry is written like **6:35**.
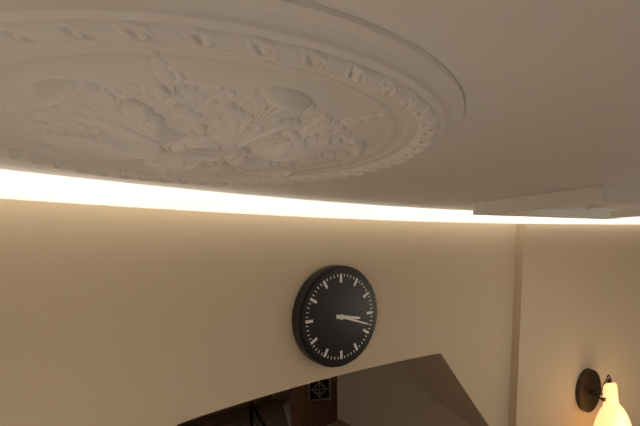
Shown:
**3:18**
